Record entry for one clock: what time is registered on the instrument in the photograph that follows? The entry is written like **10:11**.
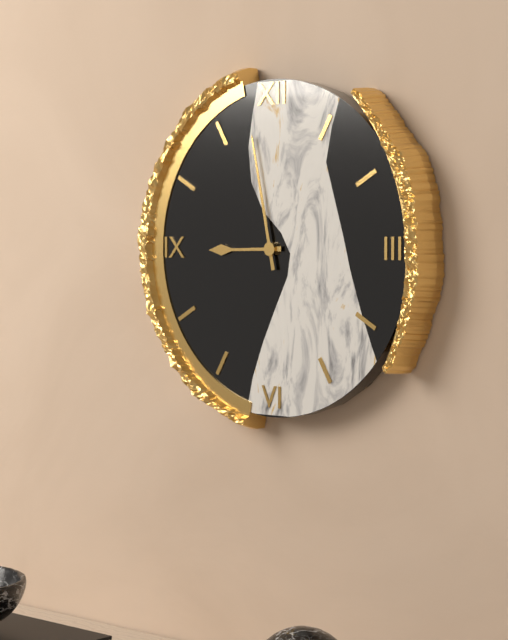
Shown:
**8:58**
